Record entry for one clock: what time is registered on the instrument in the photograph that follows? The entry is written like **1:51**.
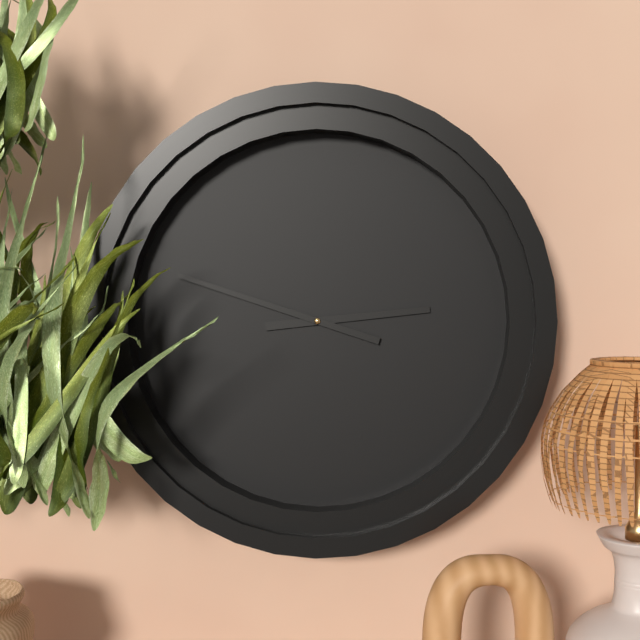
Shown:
**2:48**
